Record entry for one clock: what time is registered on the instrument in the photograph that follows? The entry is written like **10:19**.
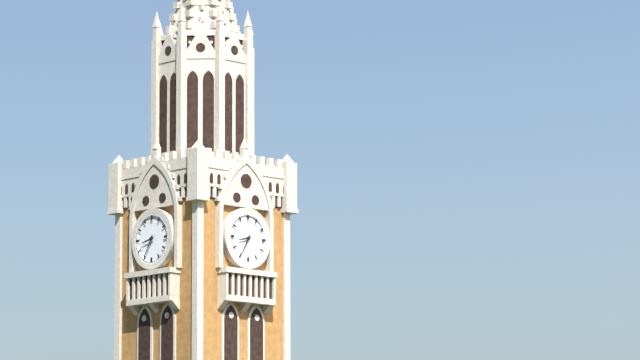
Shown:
**8:35**
